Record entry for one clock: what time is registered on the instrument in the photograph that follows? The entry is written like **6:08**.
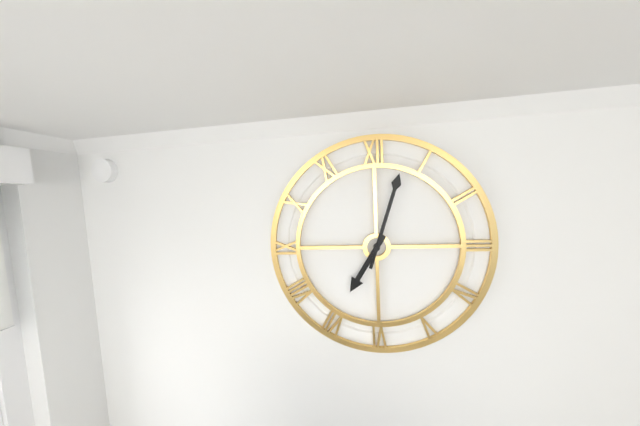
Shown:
**7:03**
